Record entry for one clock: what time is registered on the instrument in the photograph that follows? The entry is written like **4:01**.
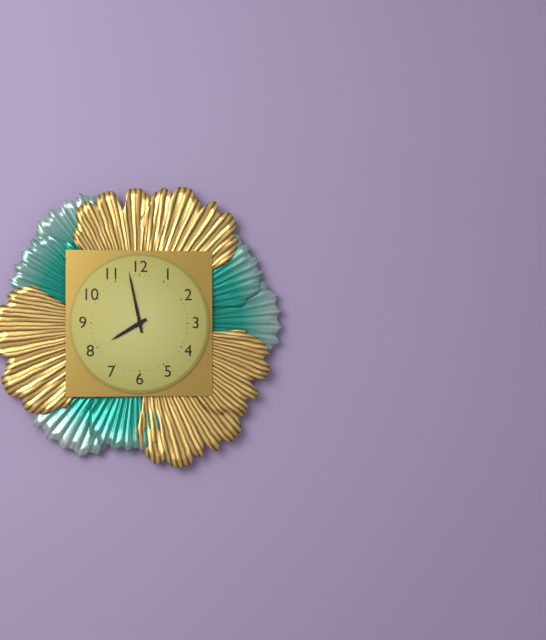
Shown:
**7:58**
